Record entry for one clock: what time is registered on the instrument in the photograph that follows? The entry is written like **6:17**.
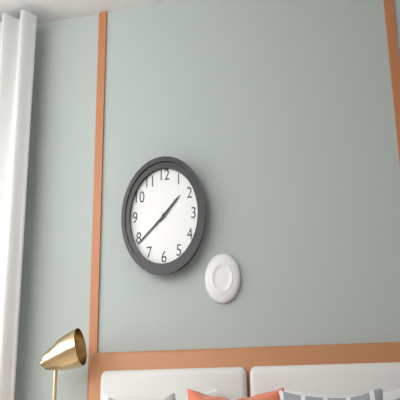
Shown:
**1:39**
